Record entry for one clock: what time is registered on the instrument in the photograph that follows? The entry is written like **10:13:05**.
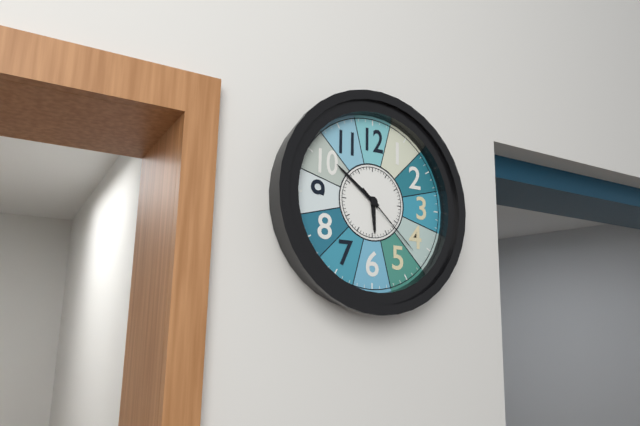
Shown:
**5:51:22**
